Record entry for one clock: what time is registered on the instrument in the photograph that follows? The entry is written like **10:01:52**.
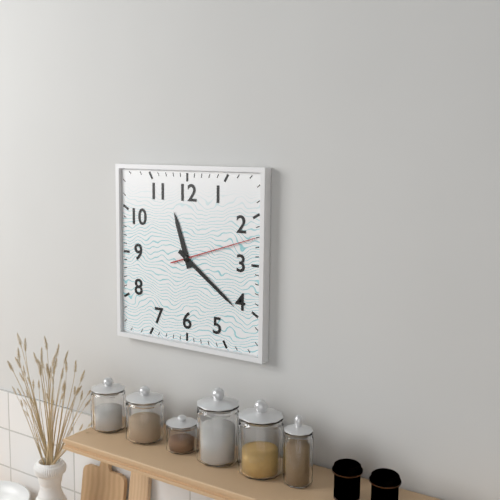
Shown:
**11:21:12**
